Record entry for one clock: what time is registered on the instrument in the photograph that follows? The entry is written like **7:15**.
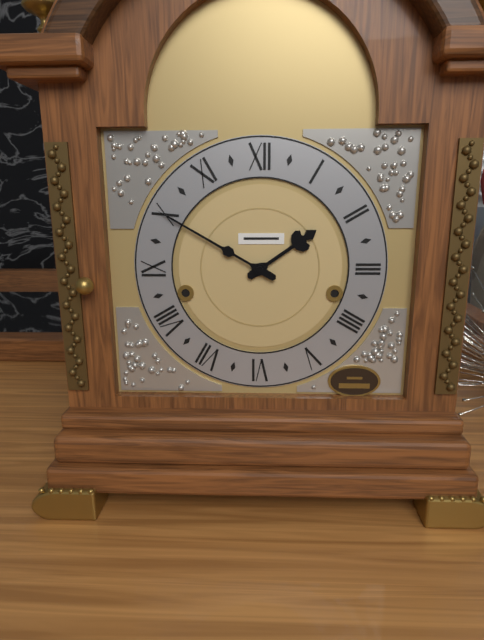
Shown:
**1:50**
